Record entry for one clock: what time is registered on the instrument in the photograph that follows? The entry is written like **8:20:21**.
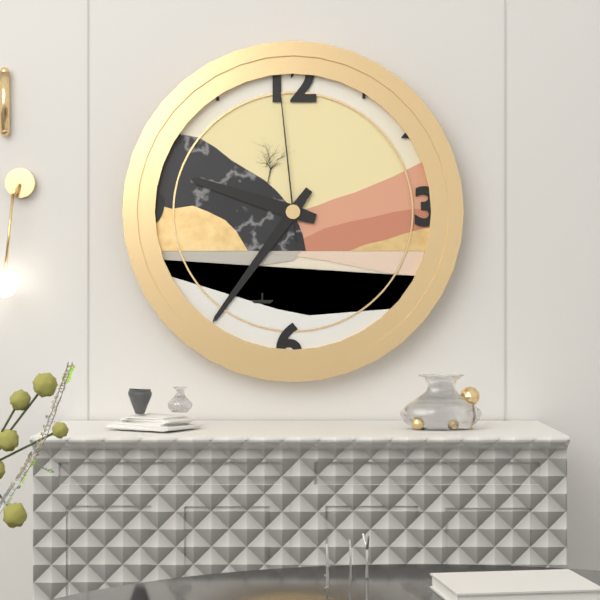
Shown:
**9:36:59**
